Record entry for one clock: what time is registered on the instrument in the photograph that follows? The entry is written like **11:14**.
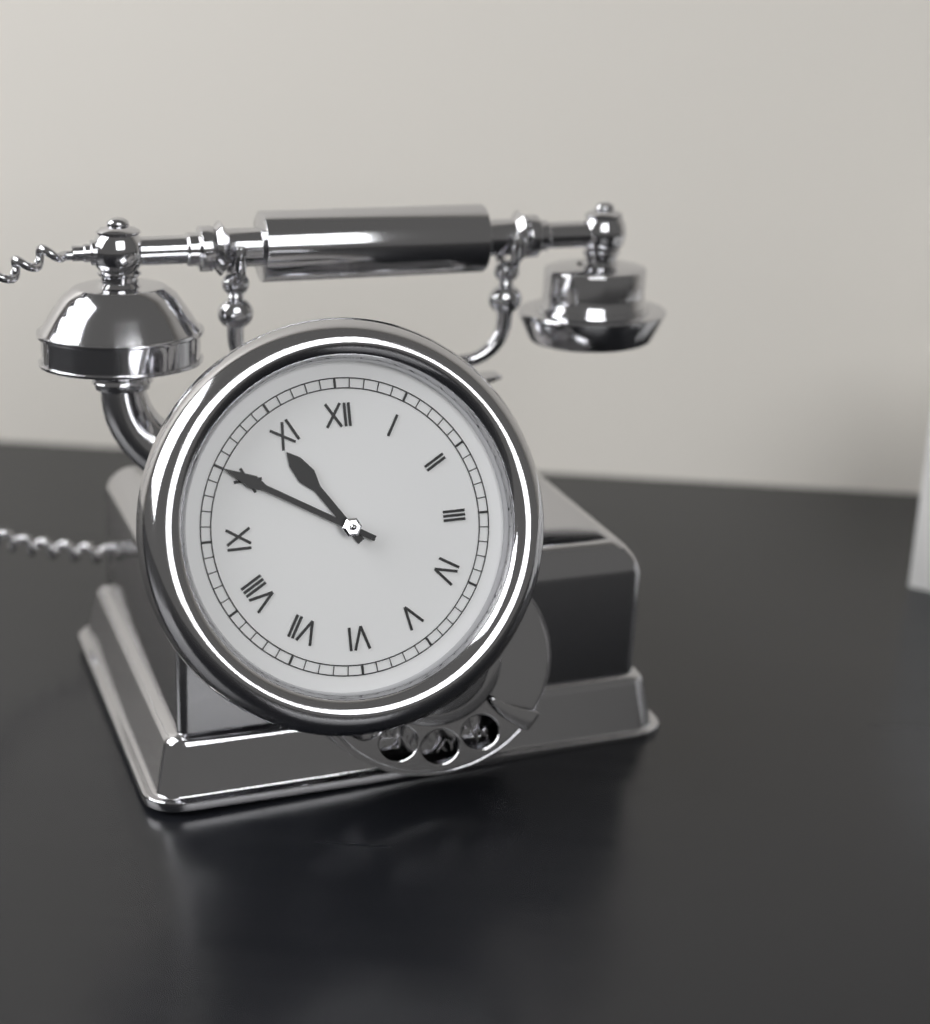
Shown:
**10:50**
